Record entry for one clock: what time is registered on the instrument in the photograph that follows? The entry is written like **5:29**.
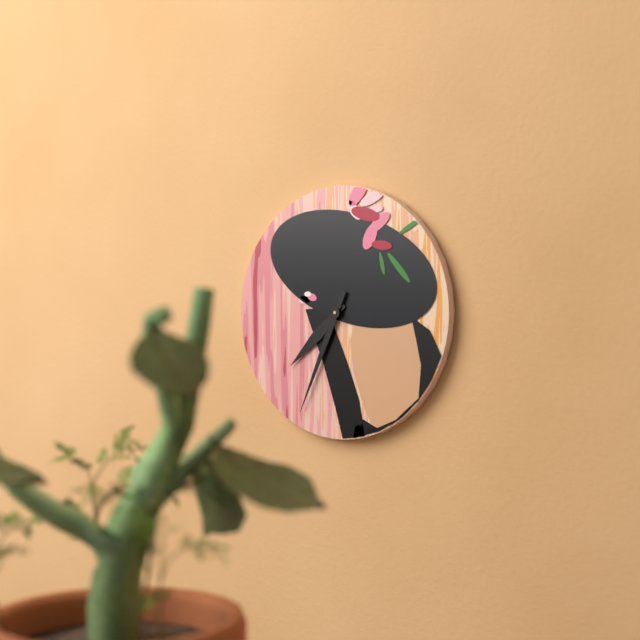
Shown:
**7:34**
